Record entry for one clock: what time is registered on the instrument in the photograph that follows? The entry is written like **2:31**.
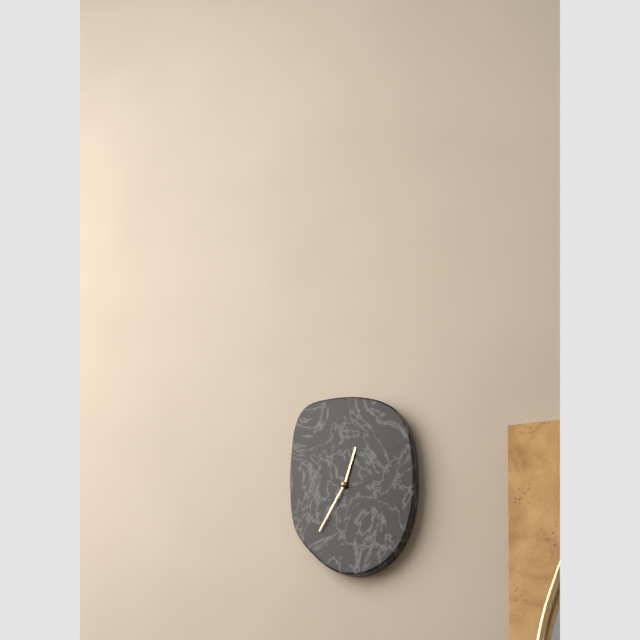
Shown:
**12:35**
